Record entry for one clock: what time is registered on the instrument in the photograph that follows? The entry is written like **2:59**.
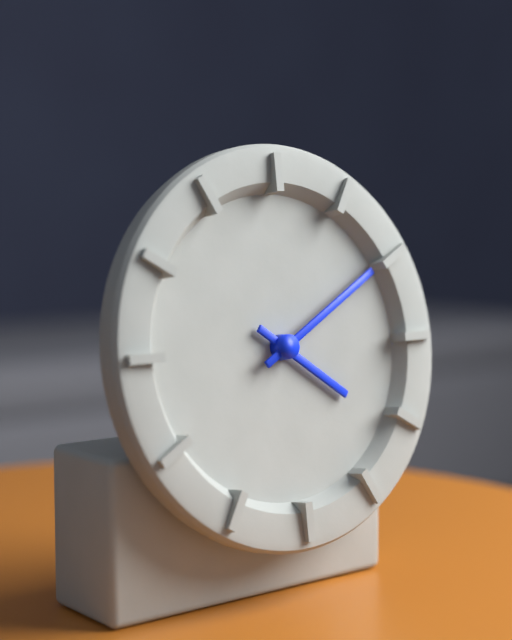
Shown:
**4:10**
